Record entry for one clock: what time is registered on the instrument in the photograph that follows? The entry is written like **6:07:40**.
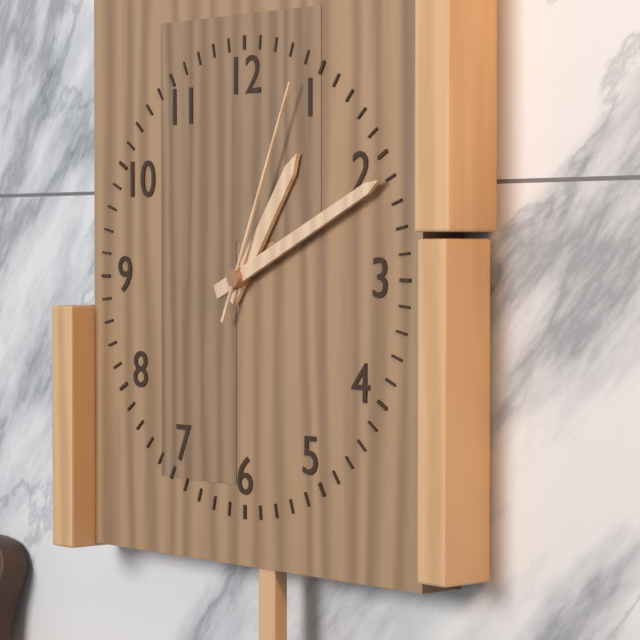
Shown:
**1:11:04**
